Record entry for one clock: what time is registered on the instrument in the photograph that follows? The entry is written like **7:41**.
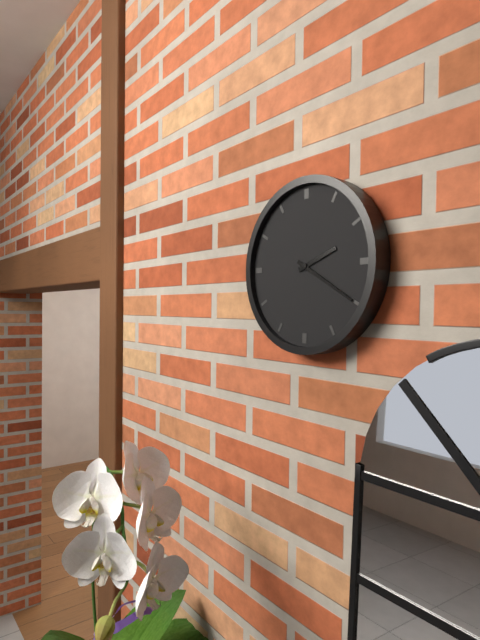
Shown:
**2:20**
